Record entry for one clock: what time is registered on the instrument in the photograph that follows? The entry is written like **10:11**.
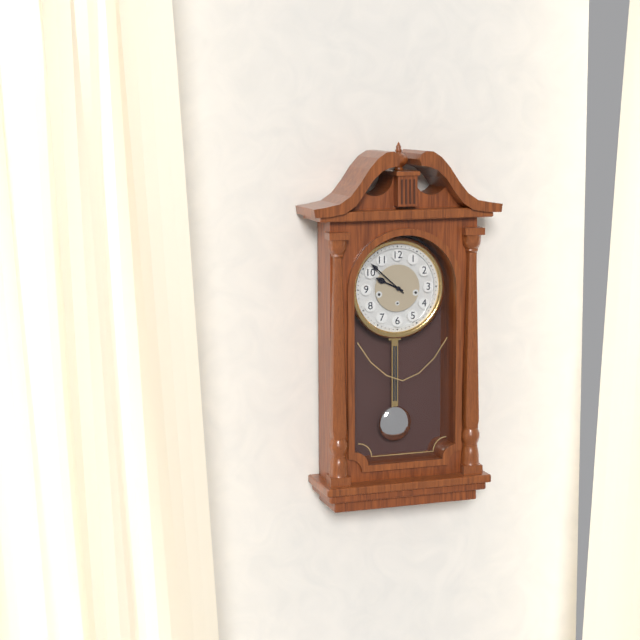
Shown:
**9:52**
